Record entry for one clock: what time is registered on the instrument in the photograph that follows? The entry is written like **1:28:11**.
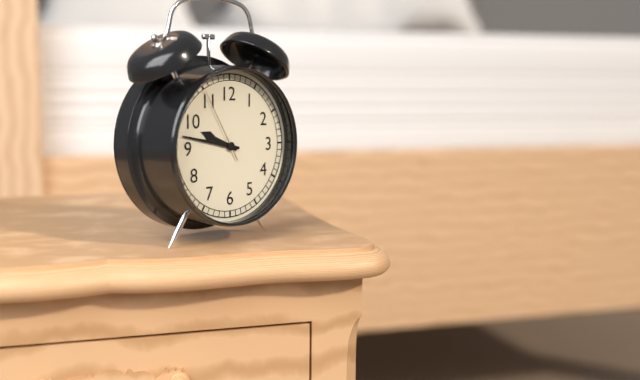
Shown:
**9:47:55**
